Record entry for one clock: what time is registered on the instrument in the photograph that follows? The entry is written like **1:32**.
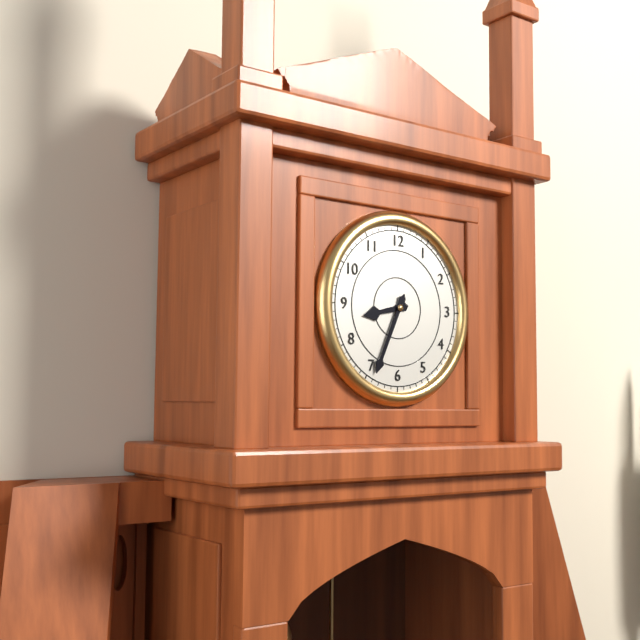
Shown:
**8:34**
